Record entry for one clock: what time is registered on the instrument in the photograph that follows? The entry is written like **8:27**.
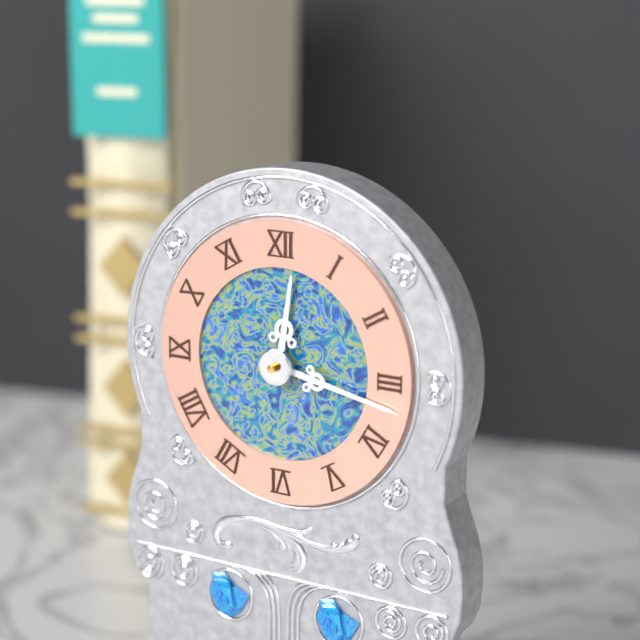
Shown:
**12:17**
